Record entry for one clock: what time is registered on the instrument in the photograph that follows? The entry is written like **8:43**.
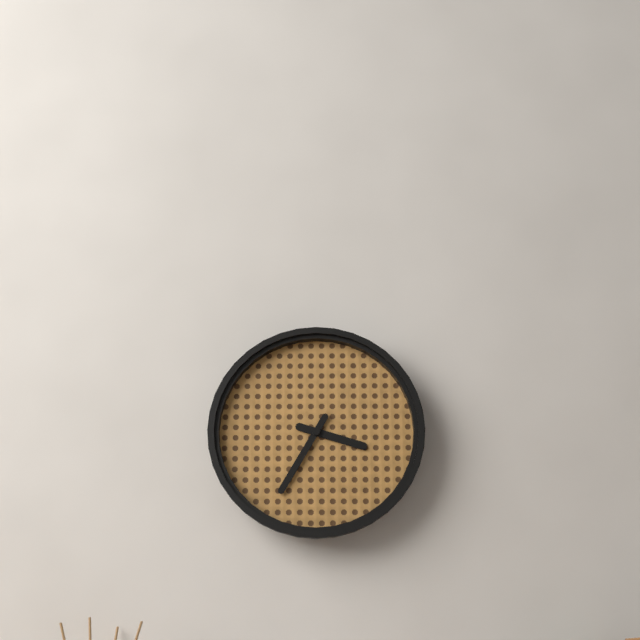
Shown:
**3:35**
